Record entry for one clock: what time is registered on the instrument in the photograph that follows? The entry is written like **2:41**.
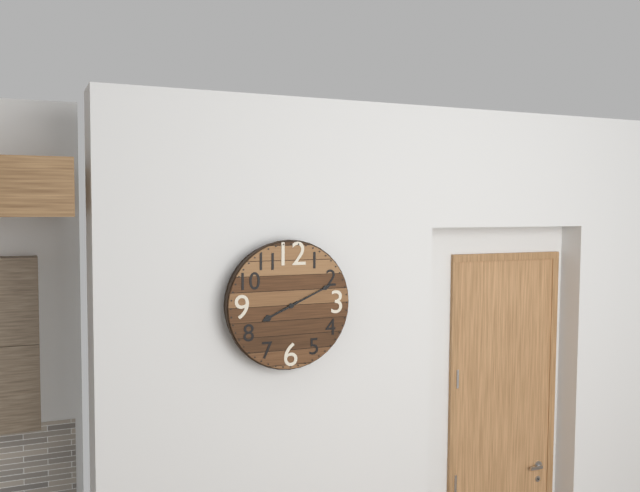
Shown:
**8:11**
